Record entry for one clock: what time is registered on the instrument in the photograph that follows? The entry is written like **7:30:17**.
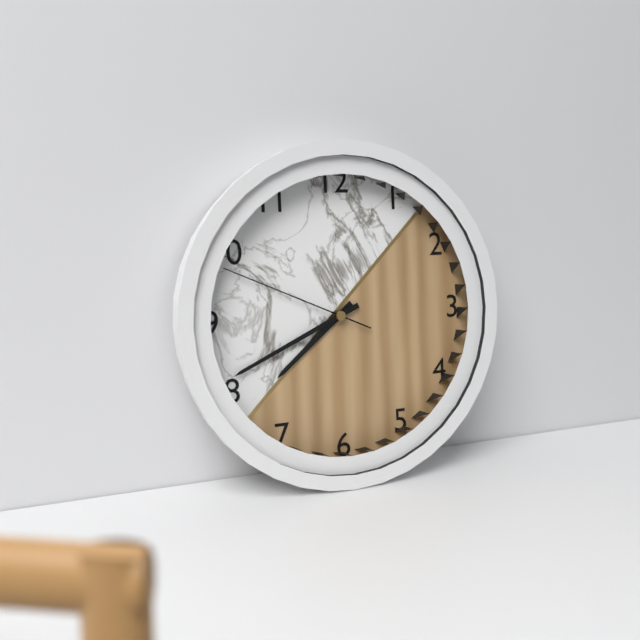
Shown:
**7:41:49**
